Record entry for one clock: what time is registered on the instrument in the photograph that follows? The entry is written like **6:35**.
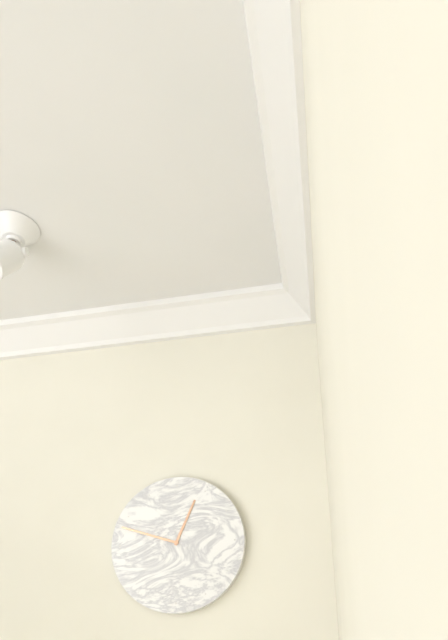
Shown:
**12:48**
